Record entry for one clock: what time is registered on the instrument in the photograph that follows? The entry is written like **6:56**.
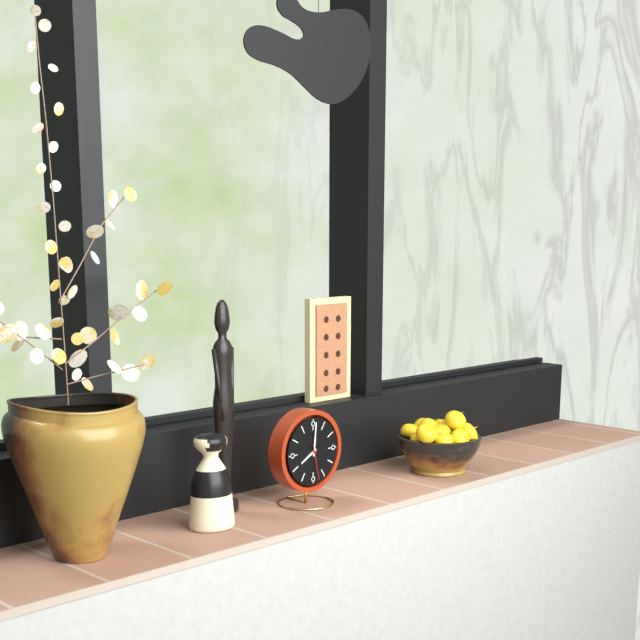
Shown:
**8:01**
